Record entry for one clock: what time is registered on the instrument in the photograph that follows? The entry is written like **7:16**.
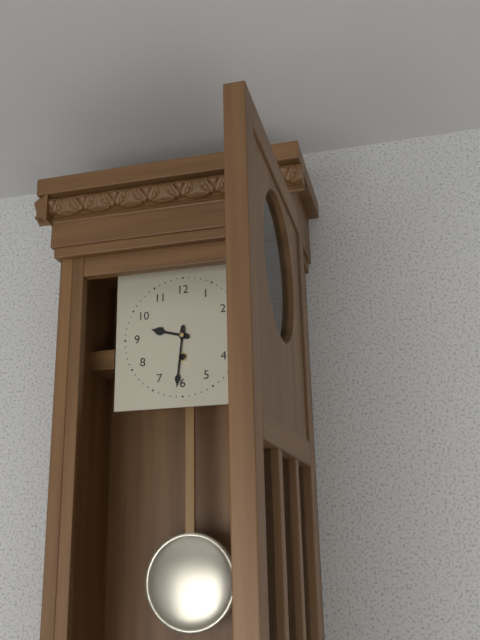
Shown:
**9:31**
